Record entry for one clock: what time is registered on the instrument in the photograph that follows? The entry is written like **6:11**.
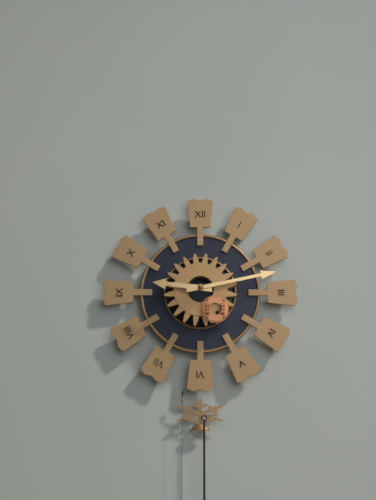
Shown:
**9:13**
